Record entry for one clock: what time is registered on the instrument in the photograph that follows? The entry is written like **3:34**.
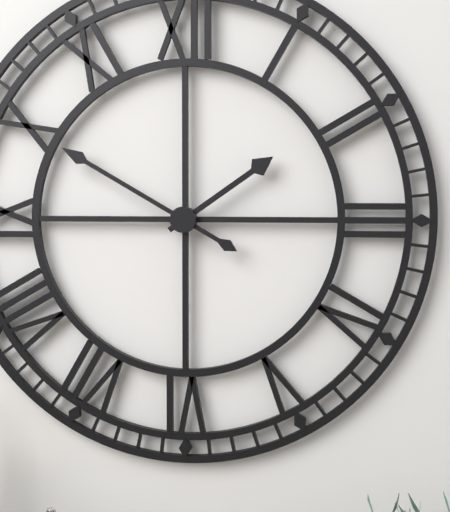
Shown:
**1:50**
